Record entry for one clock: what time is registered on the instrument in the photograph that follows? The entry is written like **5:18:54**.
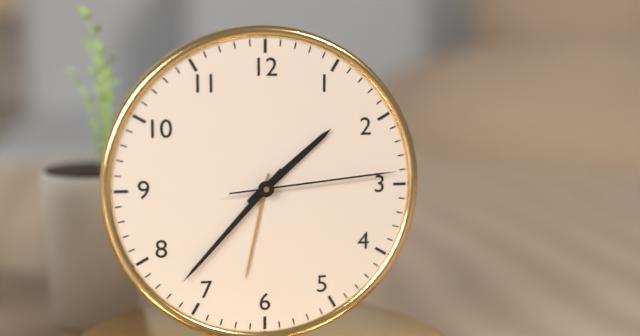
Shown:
**1:37:14**
